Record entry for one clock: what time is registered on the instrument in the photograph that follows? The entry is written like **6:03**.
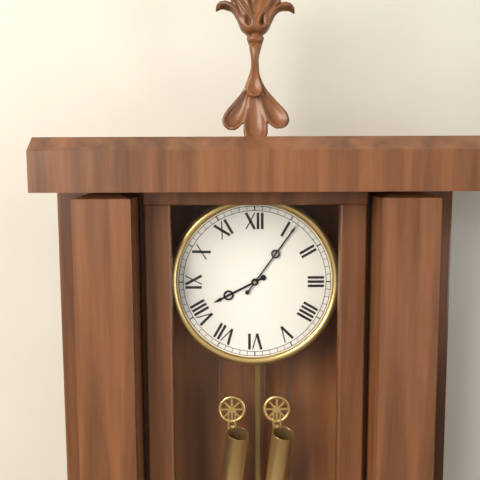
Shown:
**8:06**
